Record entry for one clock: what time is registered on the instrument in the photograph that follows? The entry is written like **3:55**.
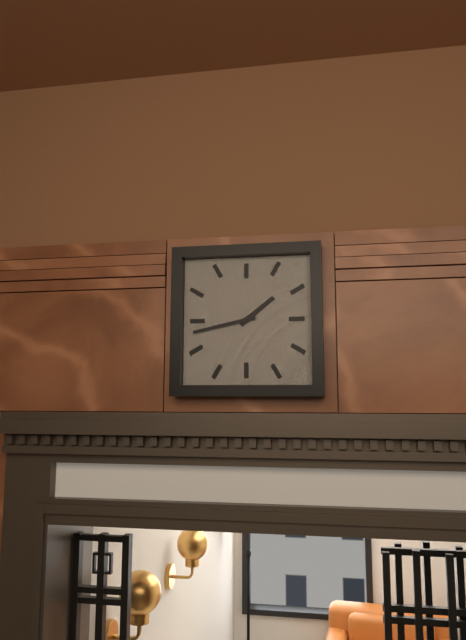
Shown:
**1:43**
